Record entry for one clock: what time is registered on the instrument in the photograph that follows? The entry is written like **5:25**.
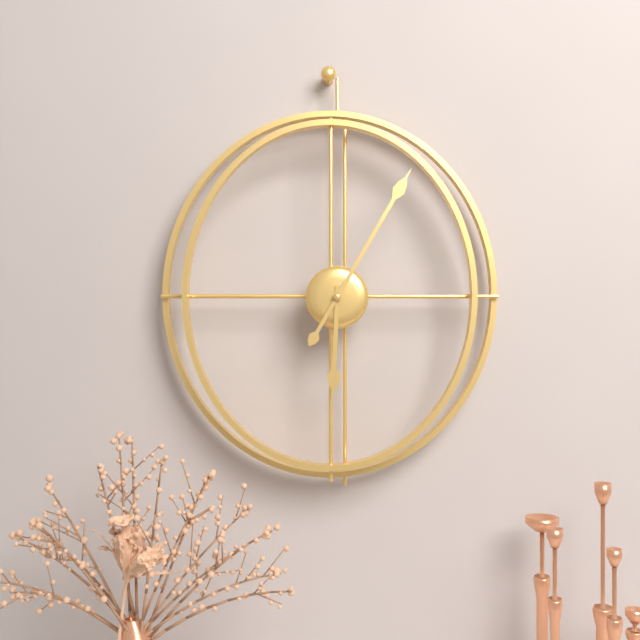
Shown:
**6:05**
